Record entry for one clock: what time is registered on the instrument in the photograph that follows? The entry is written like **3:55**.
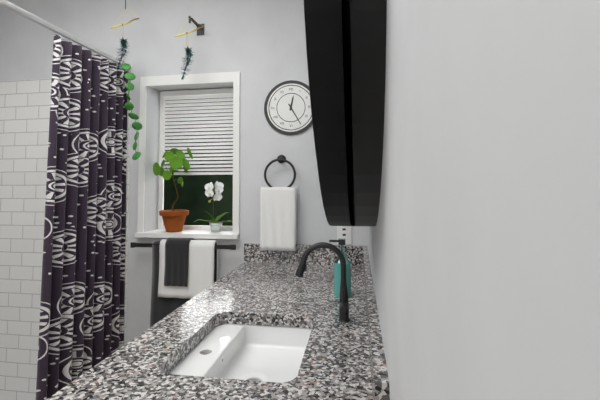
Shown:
**12:25**
